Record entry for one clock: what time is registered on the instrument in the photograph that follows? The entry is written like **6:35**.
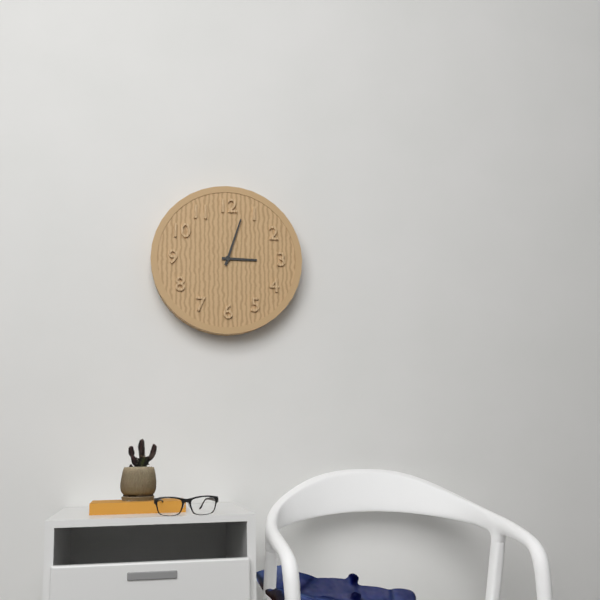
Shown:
**3:03**
